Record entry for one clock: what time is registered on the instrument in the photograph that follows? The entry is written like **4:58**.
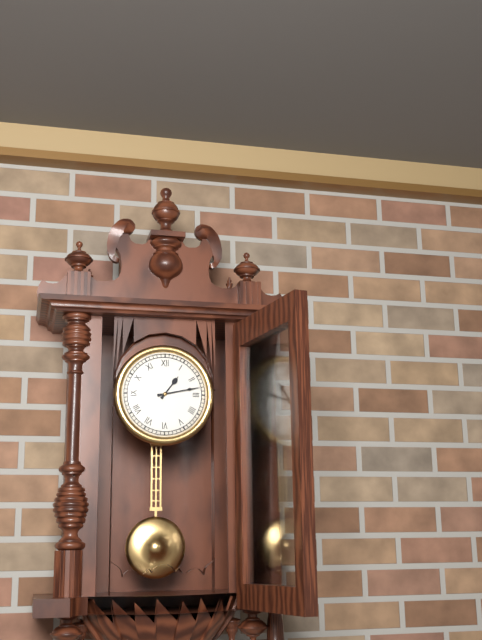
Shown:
**1:13**
